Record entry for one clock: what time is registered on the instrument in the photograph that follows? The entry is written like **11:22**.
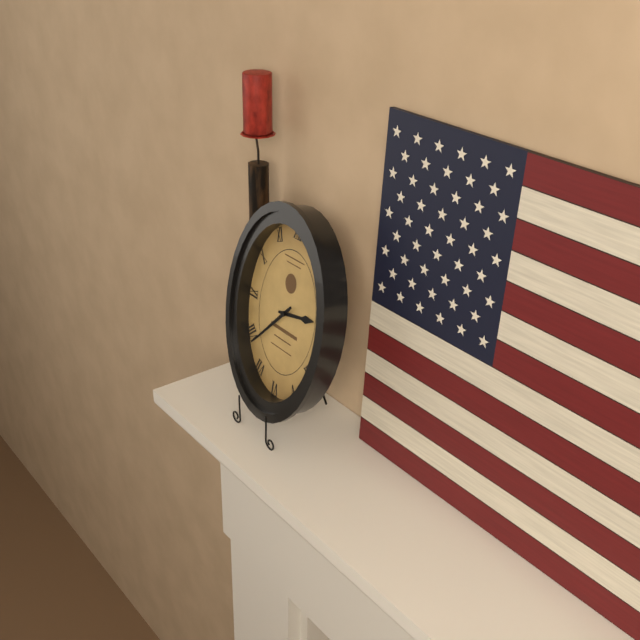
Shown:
**2:37**
